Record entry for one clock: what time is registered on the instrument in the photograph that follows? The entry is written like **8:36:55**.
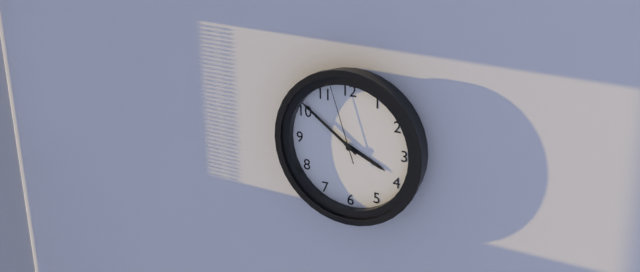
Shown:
**3:51:57**
